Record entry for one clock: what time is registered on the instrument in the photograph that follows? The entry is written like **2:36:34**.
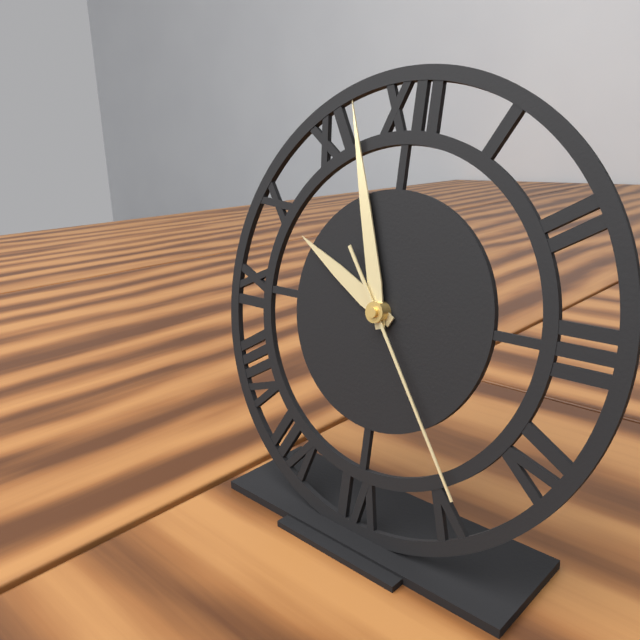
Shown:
**9:57:24**
